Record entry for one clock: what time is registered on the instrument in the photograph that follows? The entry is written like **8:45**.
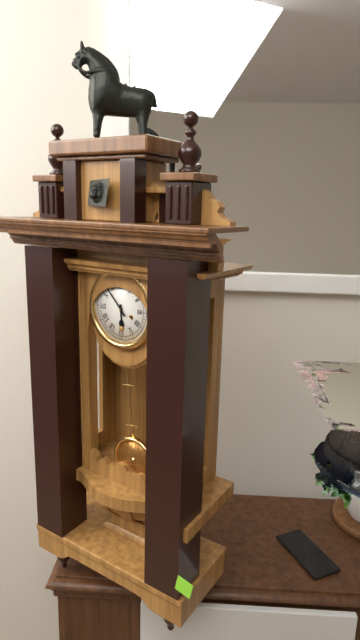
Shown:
**5:53**
